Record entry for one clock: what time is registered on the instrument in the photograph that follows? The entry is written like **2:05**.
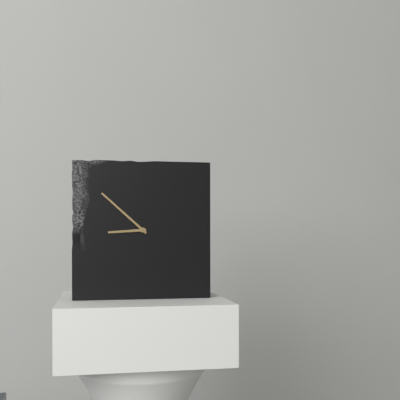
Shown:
**8:52**
